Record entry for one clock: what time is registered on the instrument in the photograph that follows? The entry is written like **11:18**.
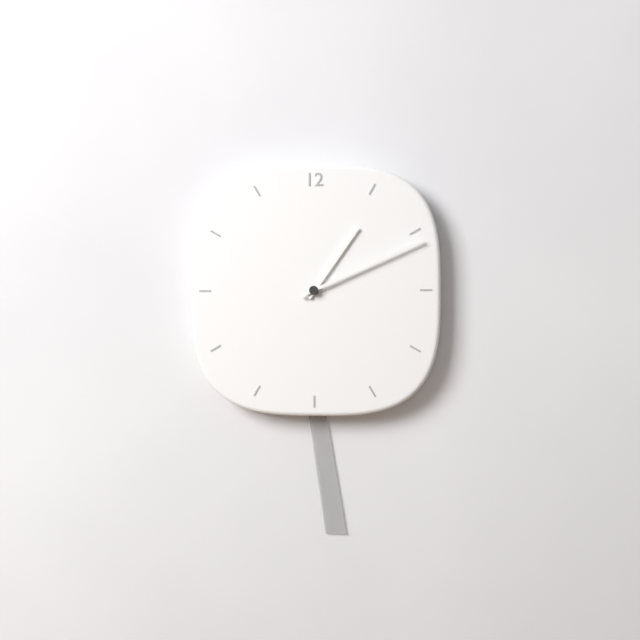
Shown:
**1:11**
